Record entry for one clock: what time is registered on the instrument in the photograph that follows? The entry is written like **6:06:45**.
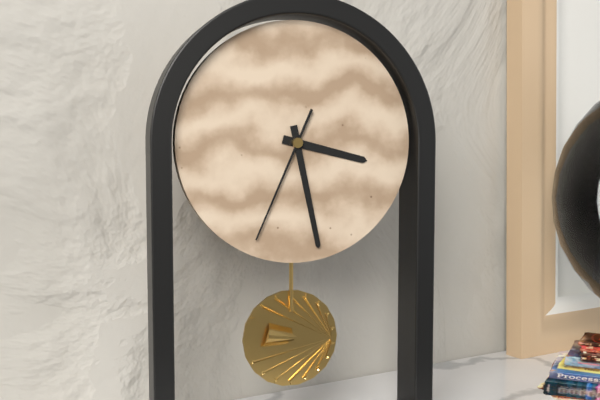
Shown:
**3:28:34**
